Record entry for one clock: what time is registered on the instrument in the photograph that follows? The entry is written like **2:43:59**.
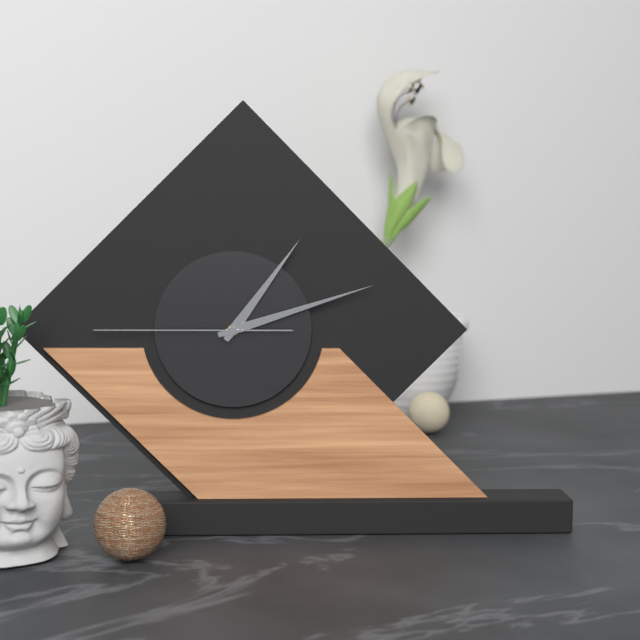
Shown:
**1:12:45**
